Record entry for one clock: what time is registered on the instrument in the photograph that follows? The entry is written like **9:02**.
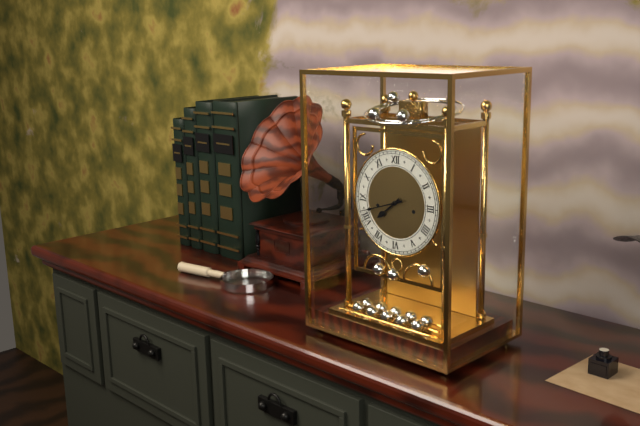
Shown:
**7:42**
